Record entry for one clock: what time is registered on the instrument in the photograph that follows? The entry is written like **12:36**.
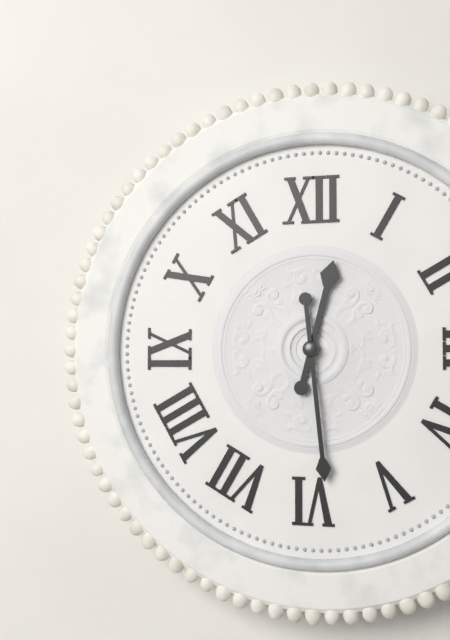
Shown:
**12:29**
